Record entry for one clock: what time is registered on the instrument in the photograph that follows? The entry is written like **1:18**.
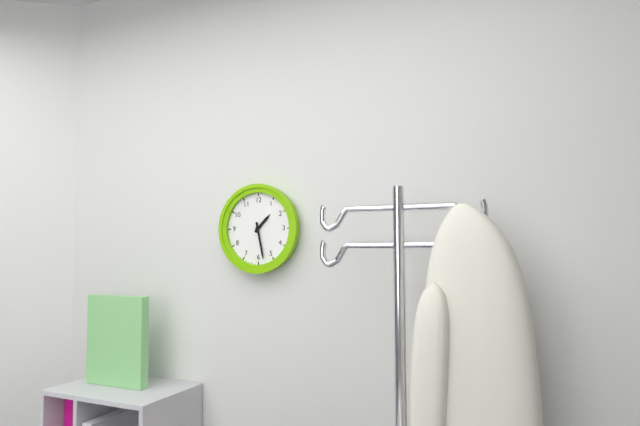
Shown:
**1:28**
